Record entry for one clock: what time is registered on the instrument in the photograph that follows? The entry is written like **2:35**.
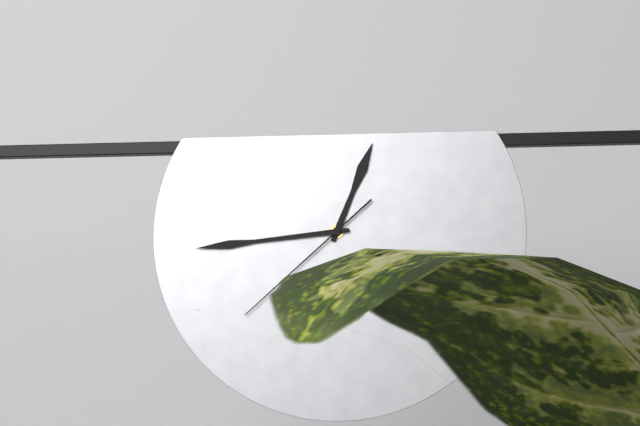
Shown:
**12:44**
